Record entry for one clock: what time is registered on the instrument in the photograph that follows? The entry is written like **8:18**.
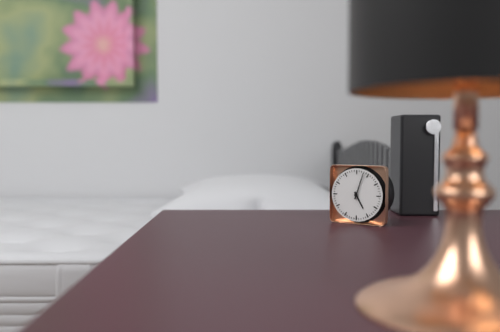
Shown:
**5:03**
